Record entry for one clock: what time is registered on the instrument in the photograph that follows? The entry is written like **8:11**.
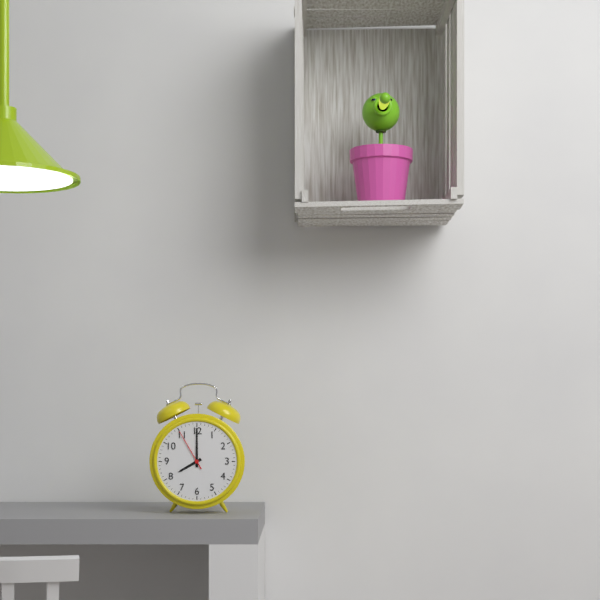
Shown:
**8:00**
